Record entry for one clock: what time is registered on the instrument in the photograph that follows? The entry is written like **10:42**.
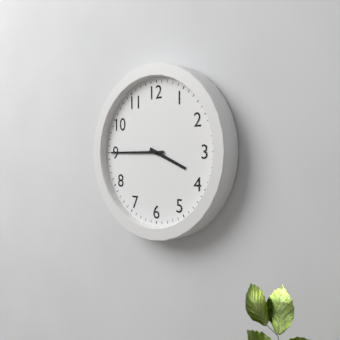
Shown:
**3:45**
